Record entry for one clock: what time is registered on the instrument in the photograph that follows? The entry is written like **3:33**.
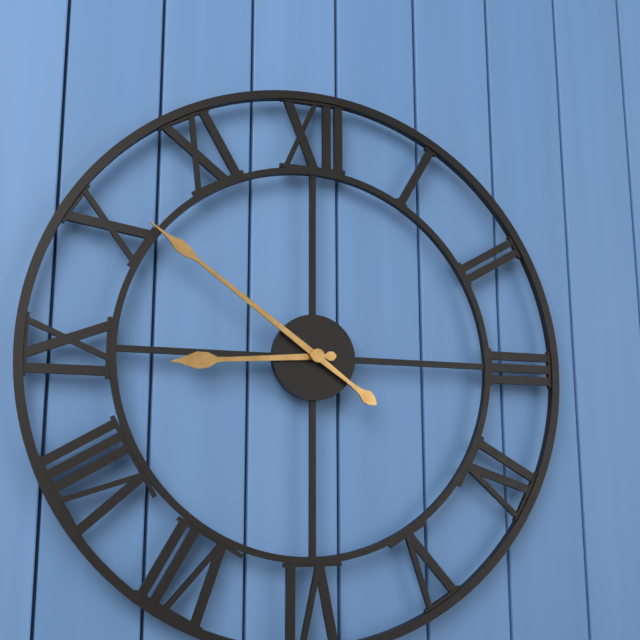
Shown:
**8:51**
